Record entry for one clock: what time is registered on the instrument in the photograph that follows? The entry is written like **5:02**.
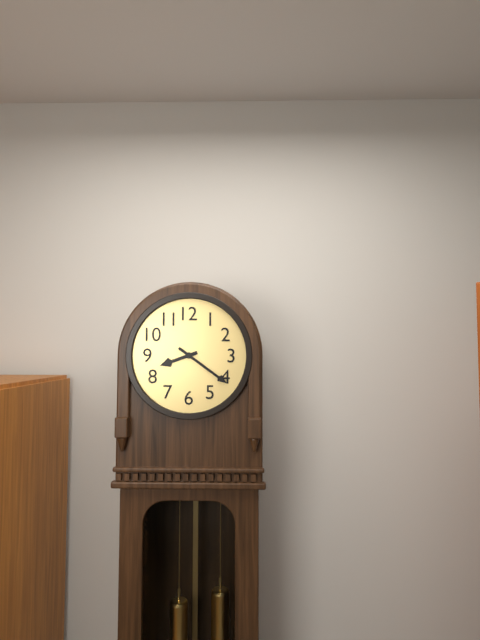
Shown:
**8:21**
